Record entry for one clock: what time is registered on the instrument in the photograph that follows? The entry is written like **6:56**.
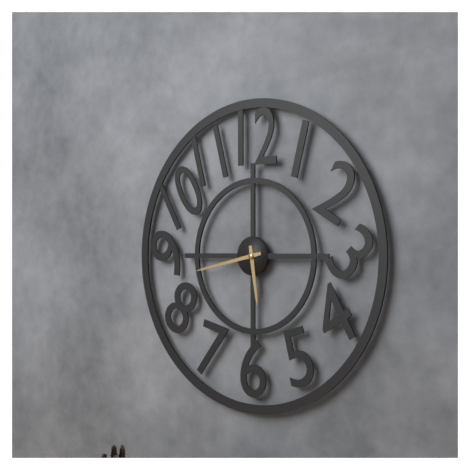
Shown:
**5:43**
